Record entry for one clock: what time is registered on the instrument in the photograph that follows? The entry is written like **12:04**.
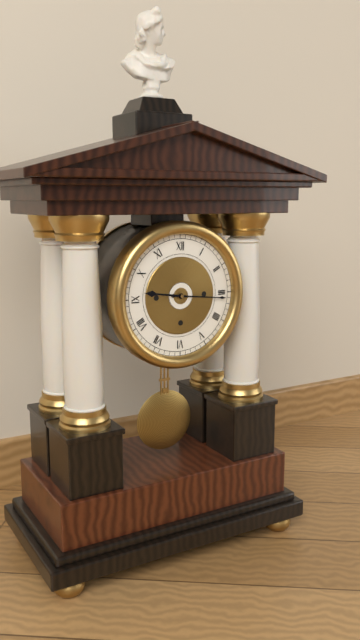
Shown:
**9:16**
